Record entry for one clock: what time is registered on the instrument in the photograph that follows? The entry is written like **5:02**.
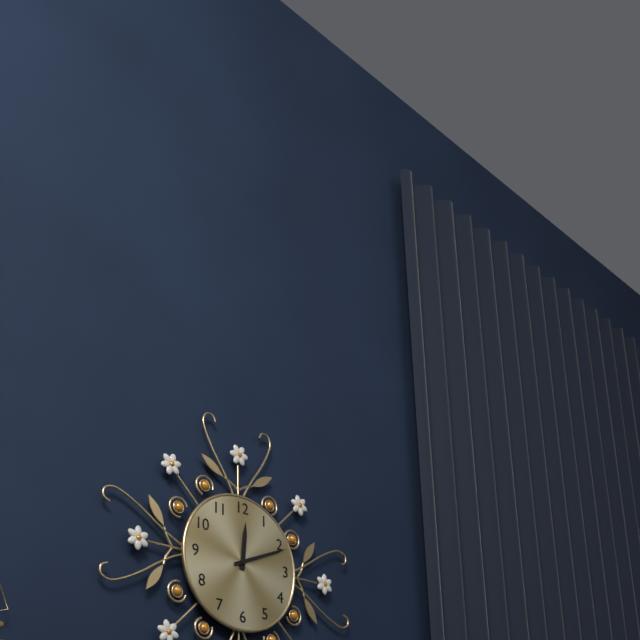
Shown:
**12:11**
